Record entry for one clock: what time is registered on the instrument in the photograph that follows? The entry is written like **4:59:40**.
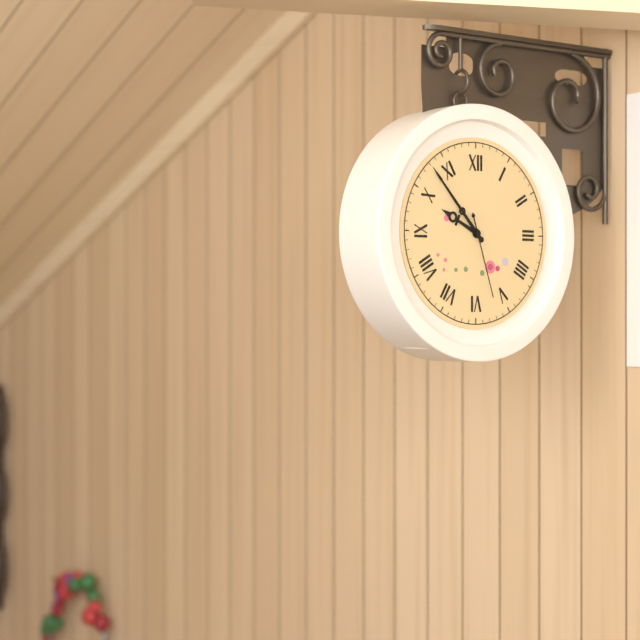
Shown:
**9:53:27**
